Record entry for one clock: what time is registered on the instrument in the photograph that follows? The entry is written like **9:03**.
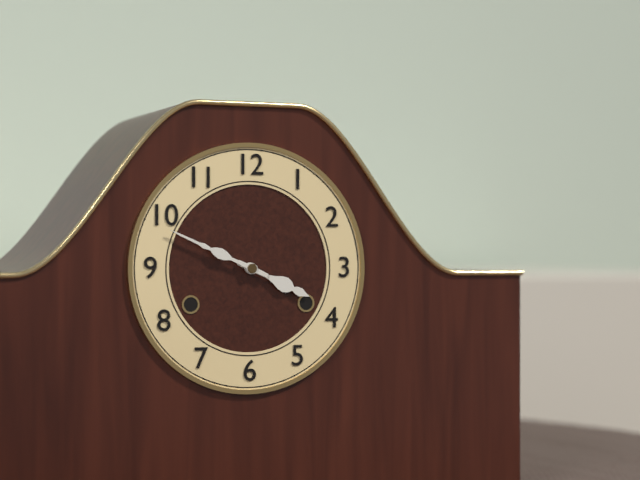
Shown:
**3:49**
